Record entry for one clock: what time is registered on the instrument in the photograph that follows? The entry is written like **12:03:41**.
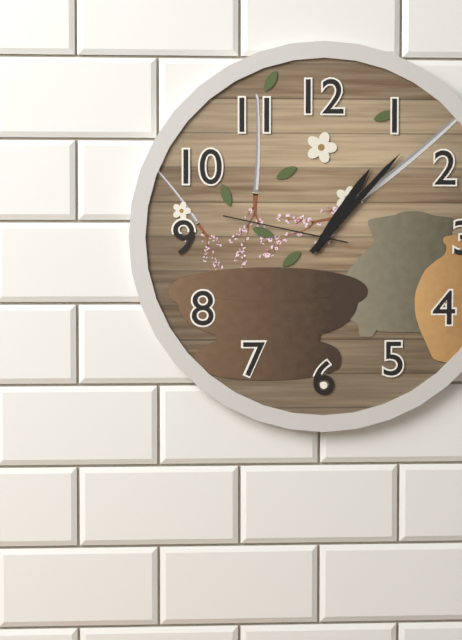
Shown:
**1:07:47**
